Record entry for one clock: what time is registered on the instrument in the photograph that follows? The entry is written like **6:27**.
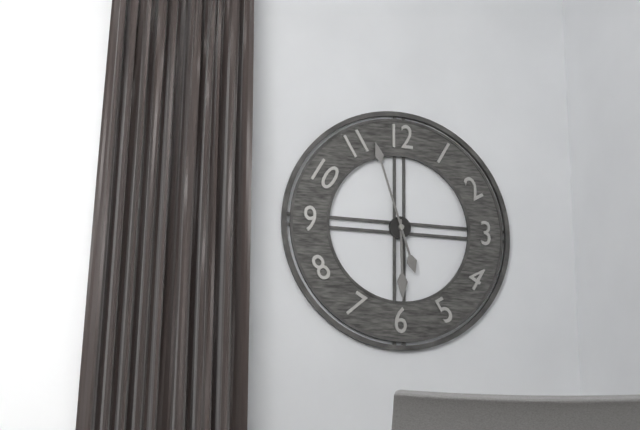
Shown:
**5:57**
